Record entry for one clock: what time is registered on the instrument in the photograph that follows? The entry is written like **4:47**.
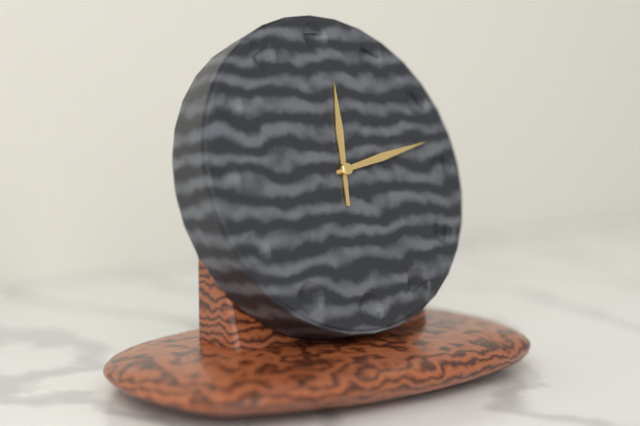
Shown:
**12:13**
